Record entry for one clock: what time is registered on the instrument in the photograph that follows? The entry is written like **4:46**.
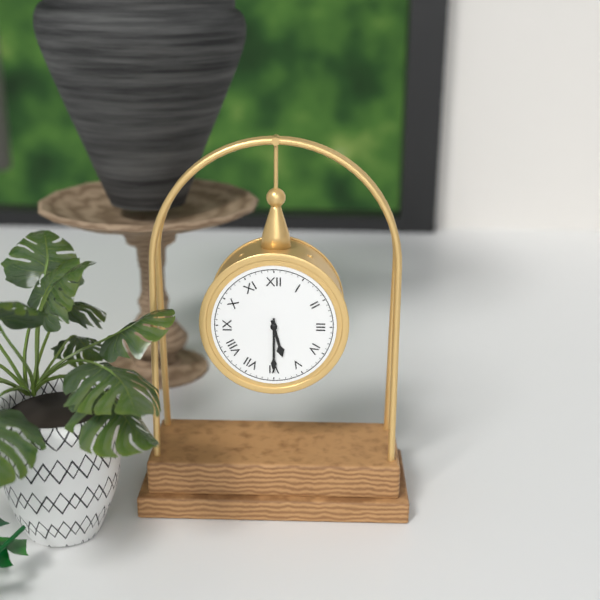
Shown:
**5:30**
